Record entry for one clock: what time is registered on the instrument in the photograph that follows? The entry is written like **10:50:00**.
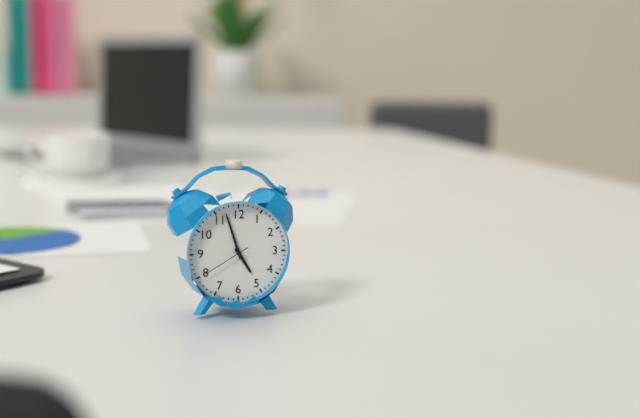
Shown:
**4:57:40**
